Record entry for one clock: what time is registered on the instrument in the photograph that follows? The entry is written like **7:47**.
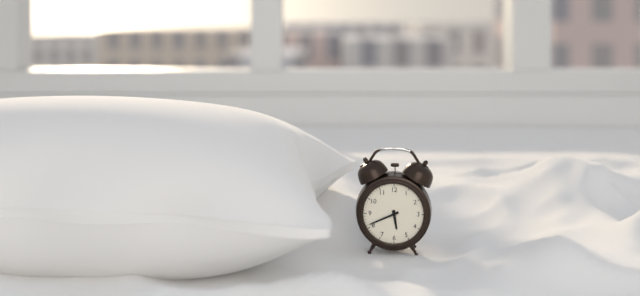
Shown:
**5:41**
